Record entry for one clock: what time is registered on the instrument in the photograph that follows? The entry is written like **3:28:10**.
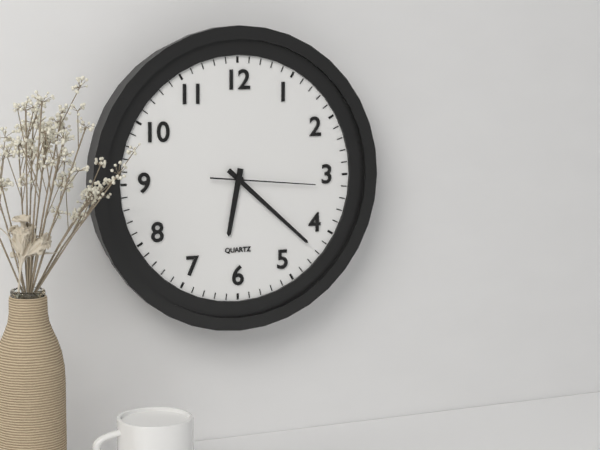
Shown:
**6:22:16**
